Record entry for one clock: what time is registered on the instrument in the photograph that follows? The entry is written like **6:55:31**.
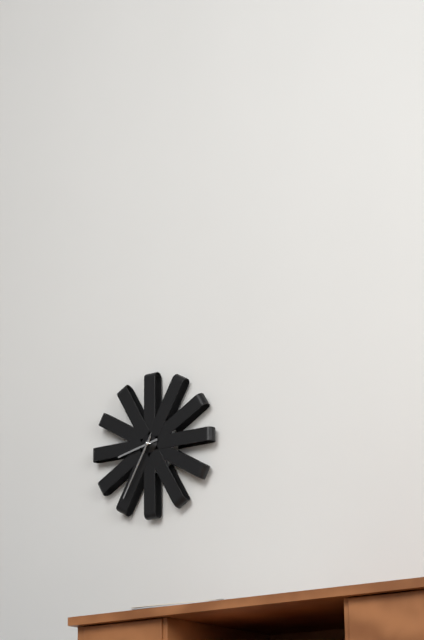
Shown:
**8:35:35**
